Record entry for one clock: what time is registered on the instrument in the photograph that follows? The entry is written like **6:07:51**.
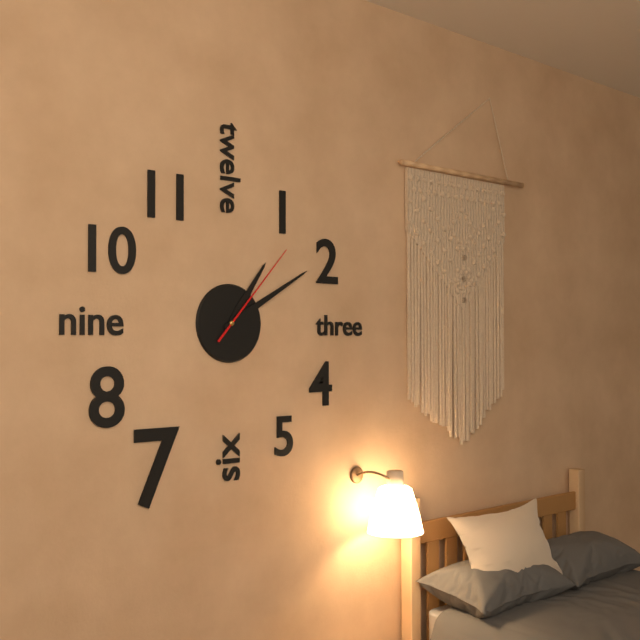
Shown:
**1:10:07**
